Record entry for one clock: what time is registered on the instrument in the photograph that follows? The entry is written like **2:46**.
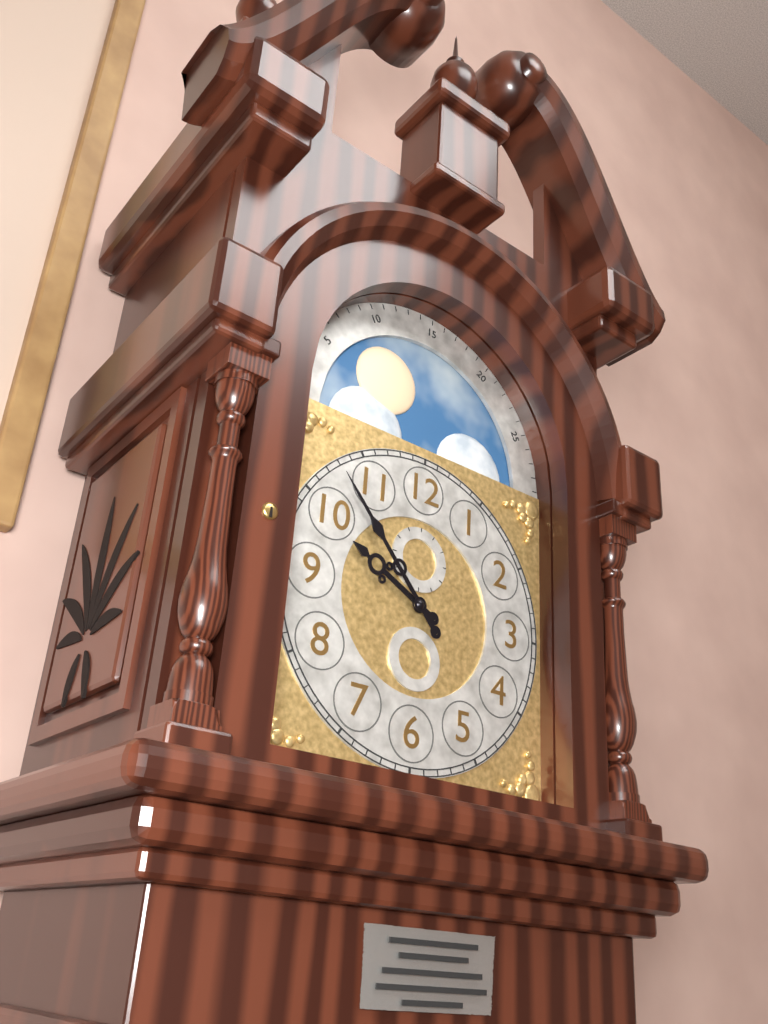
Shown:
**9:53**
